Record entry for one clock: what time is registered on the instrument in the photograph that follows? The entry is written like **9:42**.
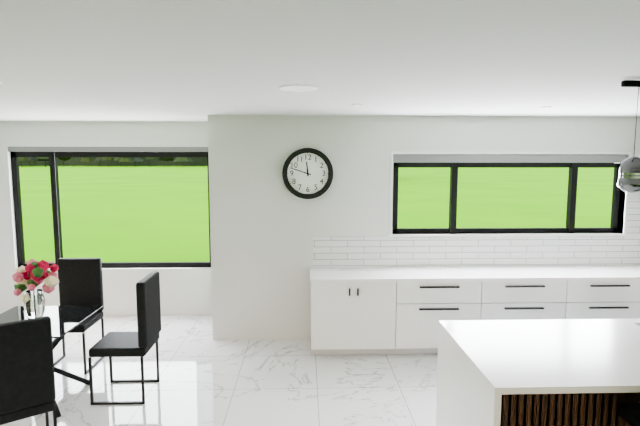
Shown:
**11:48**
